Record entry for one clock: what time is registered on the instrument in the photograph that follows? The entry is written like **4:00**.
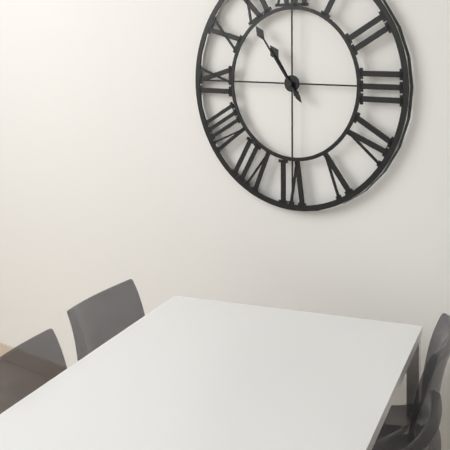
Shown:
**10:54**
